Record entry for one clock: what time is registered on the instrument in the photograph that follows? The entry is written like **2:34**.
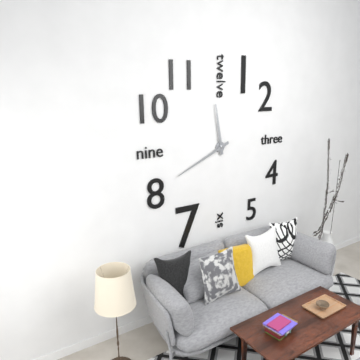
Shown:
**11:41**
